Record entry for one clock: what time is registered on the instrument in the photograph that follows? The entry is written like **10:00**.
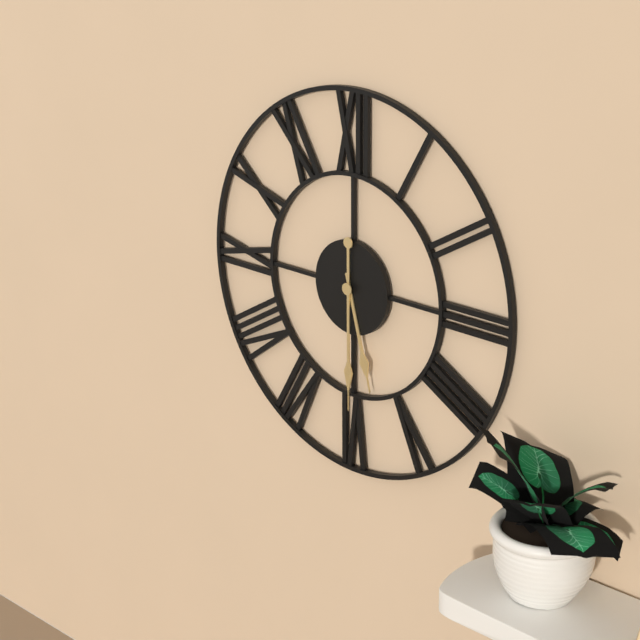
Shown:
**5:30**
